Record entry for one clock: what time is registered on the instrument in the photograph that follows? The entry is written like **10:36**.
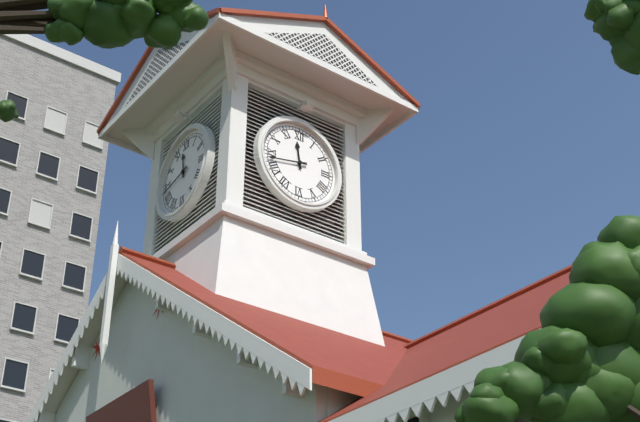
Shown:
**11:43**
